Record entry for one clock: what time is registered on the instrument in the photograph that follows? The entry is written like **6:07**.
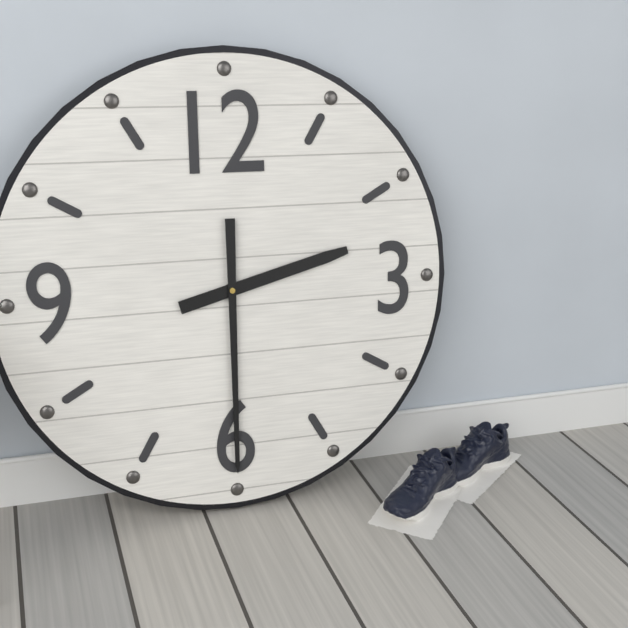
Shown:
**2:30**
